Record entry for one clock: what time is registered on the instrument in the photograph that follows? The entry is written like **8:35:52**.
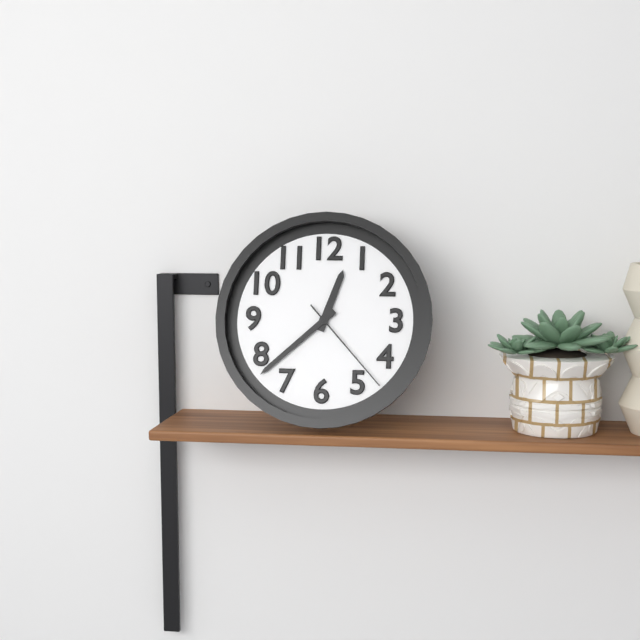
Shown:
**12:38:23**
